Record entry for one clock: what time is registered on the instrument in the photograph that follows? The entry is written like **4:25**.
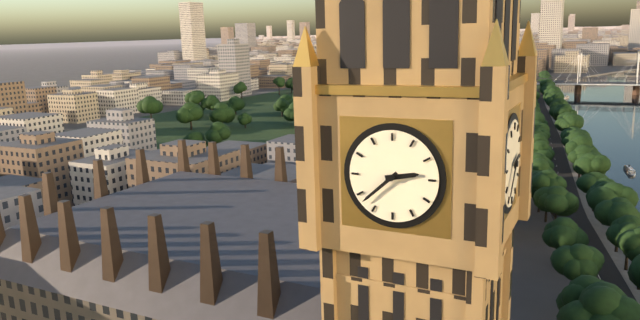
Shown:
**2:38**
